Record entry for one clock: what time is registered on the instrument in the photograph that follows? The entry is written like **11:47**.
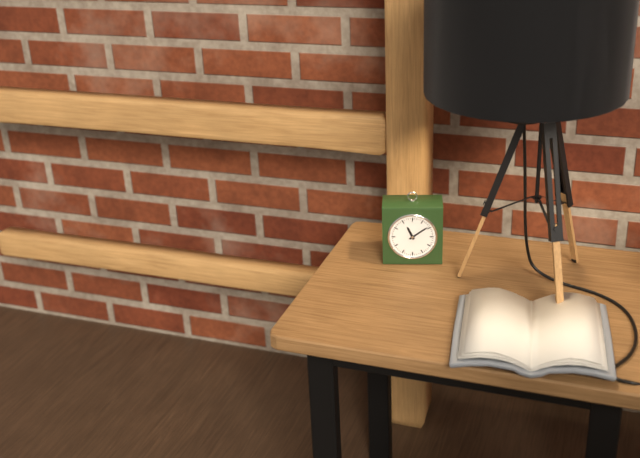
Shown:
**11:09**
